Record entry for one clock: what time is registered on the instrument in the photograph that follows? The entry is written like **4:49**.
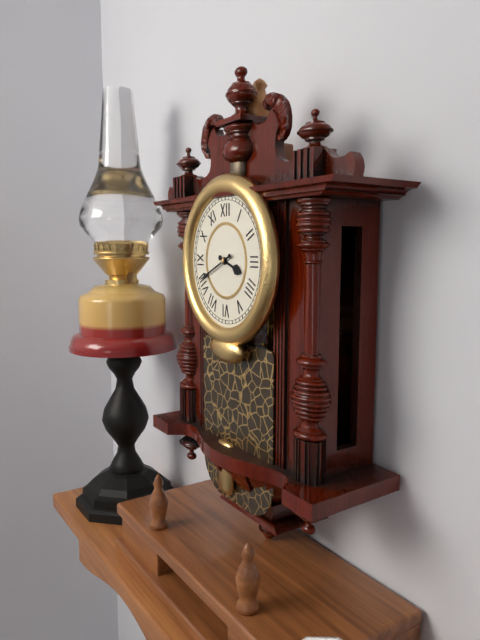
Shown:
**3:41**
